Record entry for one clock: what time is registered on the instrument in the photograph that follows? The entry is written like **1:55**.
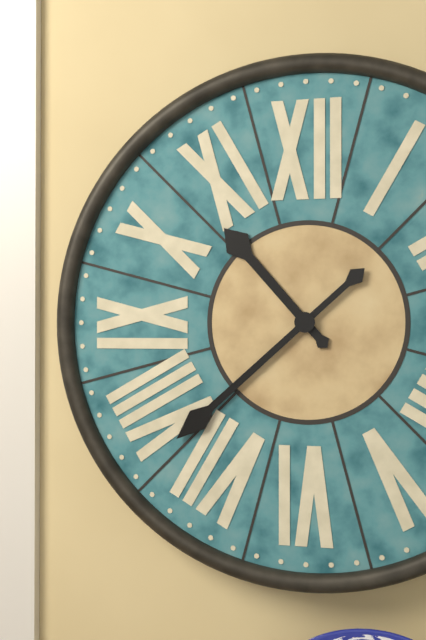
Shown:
**10:38**
